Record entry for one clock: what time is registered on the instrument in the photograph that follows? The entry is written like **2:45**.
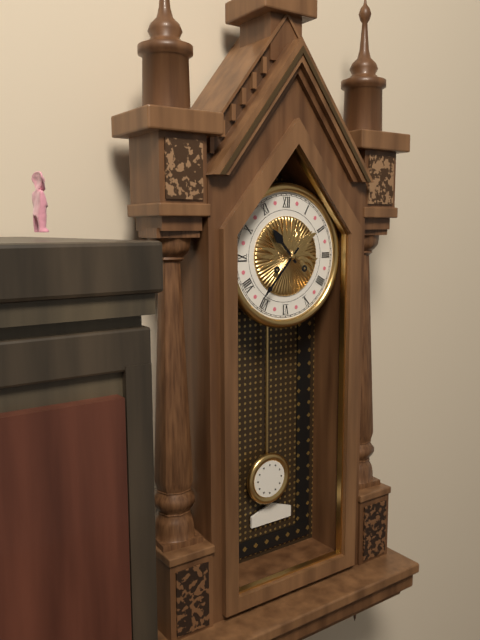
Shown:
**10:37**
